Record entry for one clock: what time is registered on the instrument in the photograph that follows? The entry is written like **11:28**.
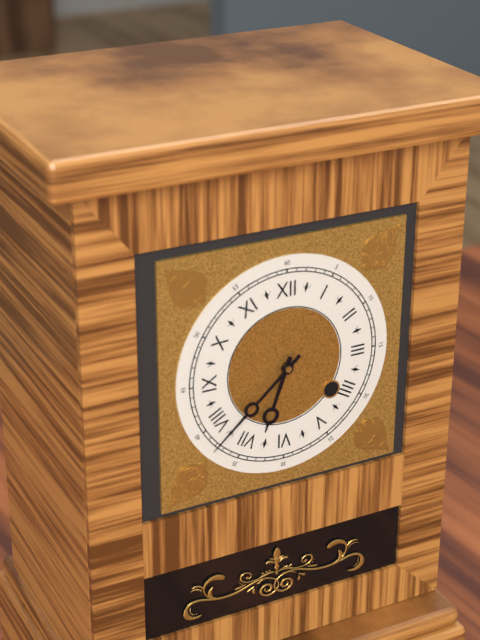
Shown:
**6:38**
